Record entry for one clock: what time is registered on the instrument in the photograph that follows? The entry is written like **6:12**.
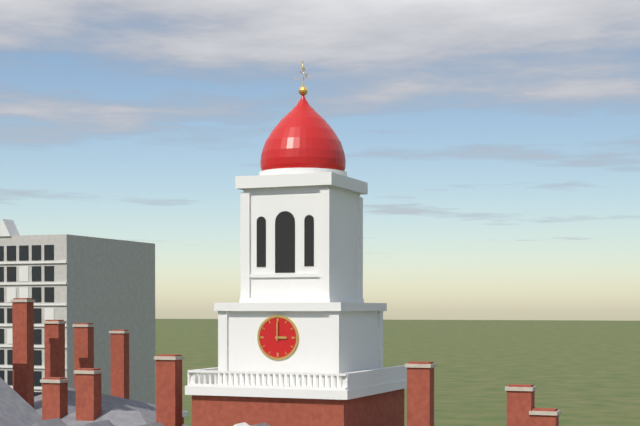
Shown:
**3:00**
